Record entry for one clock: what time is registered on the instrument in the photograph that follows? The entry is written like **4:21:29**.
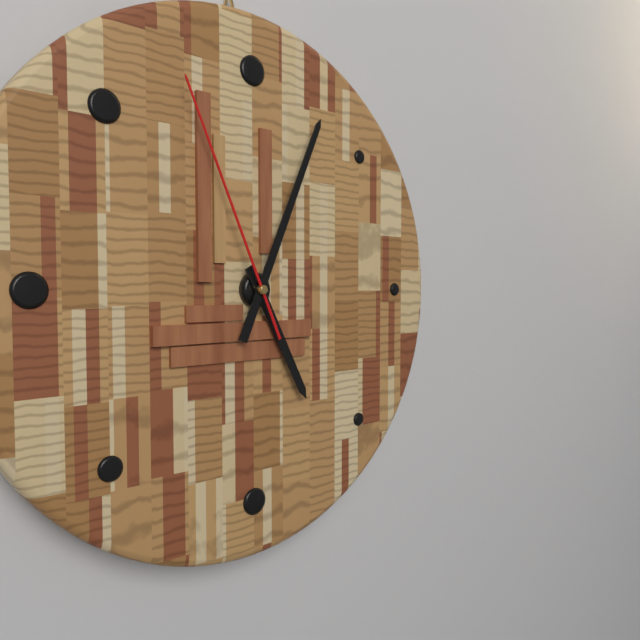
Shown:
**5:04:56**
